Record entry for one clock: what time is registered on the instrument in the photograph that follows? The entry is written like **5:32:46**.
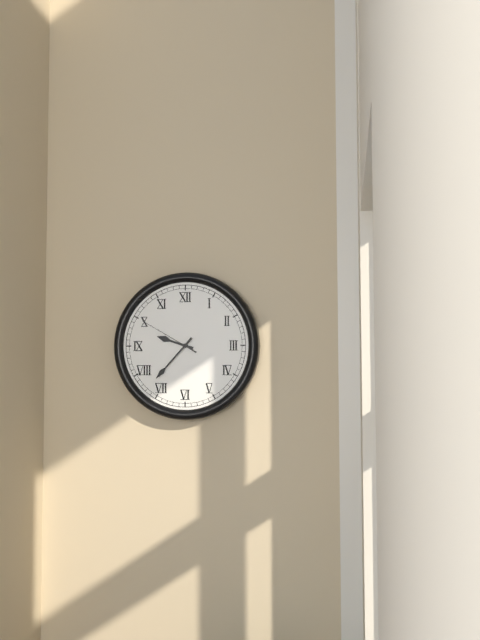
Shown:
**9:37:50**
